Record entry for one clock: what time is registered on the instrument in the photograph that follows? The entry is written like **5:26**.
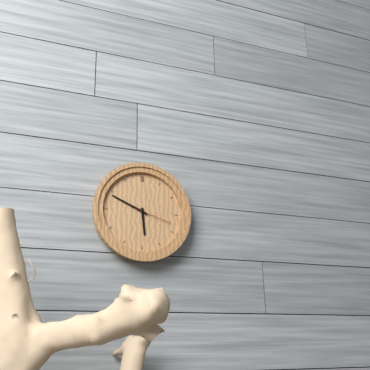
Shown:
**5:49**
